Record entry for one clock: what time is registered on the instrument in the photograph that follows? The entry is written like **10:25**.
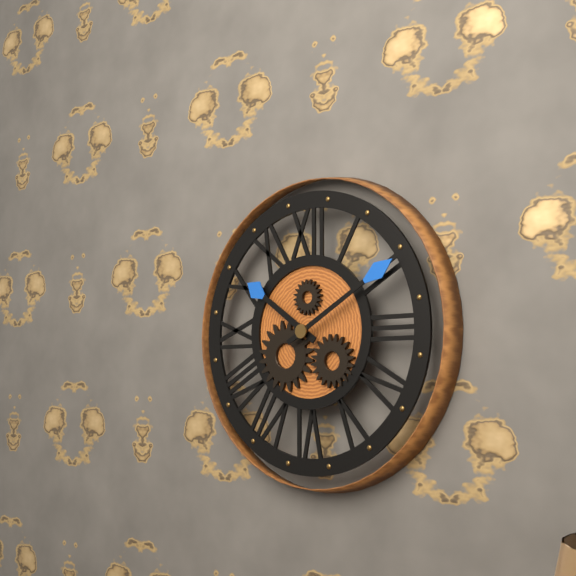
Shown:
**10:10**
